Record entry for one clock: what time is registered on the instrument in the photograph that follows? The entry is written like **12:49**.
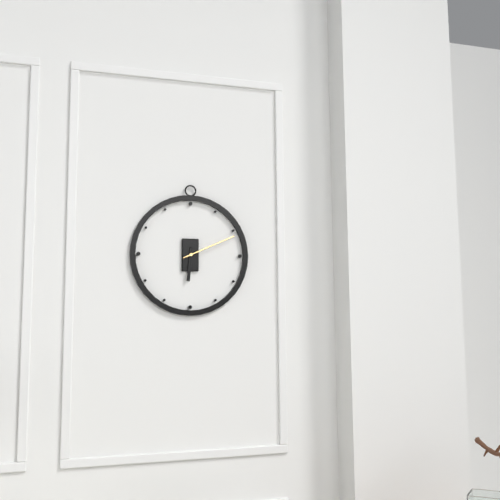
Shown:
**6:11**
